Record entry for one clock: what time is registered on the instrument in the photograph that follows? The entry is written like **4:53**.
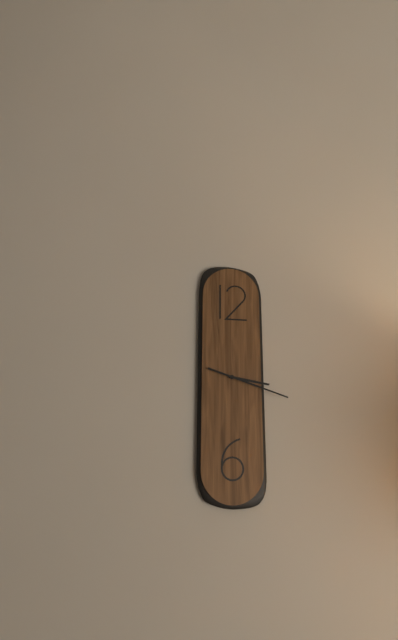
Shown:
**3:18**
